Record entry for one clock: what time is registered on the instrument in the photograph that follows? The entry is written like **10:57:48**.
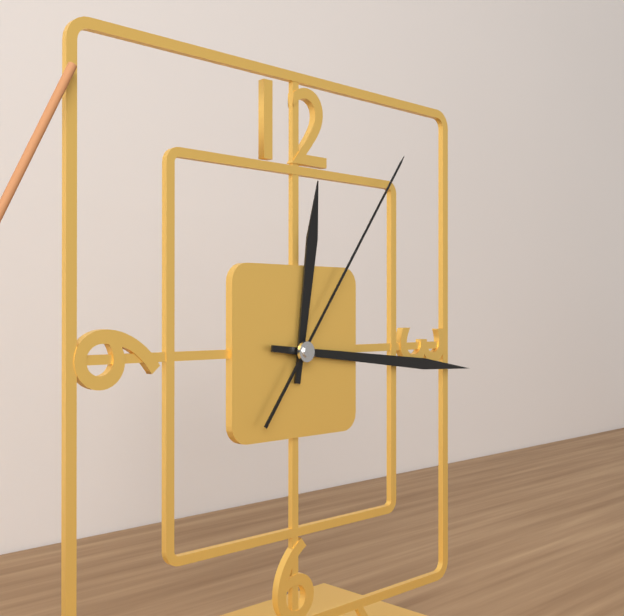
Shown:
**12:16:06**
